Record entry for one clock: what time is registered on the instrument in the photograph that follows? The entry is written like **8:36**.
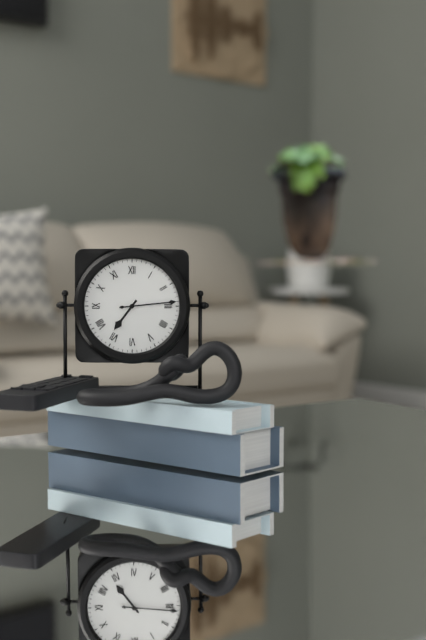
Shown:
**7:14**
